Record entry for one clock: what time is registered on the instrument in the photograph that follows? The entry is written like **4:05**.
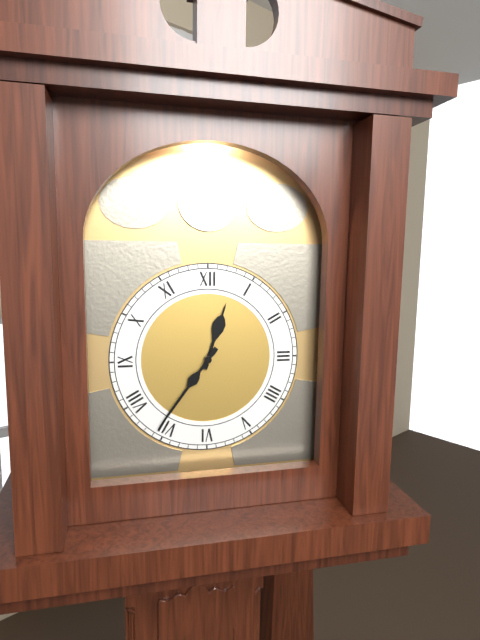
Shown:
**12:36**
